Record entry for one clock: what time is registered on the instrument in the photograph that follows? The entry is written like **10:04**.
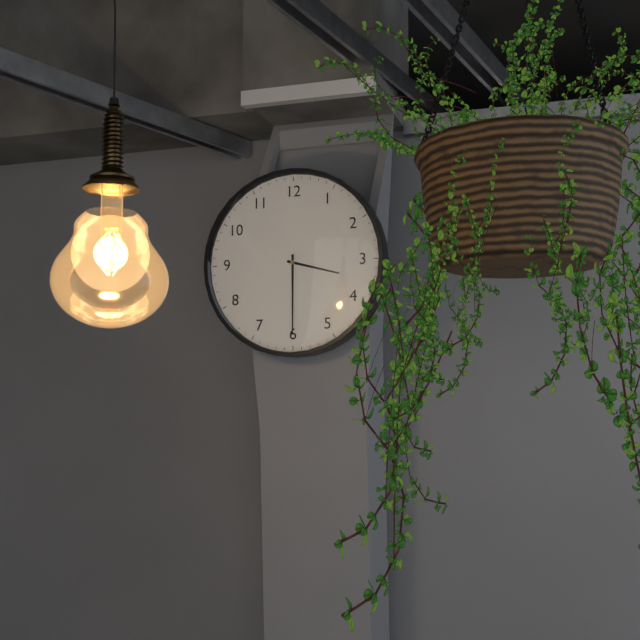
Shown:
**3:30**
